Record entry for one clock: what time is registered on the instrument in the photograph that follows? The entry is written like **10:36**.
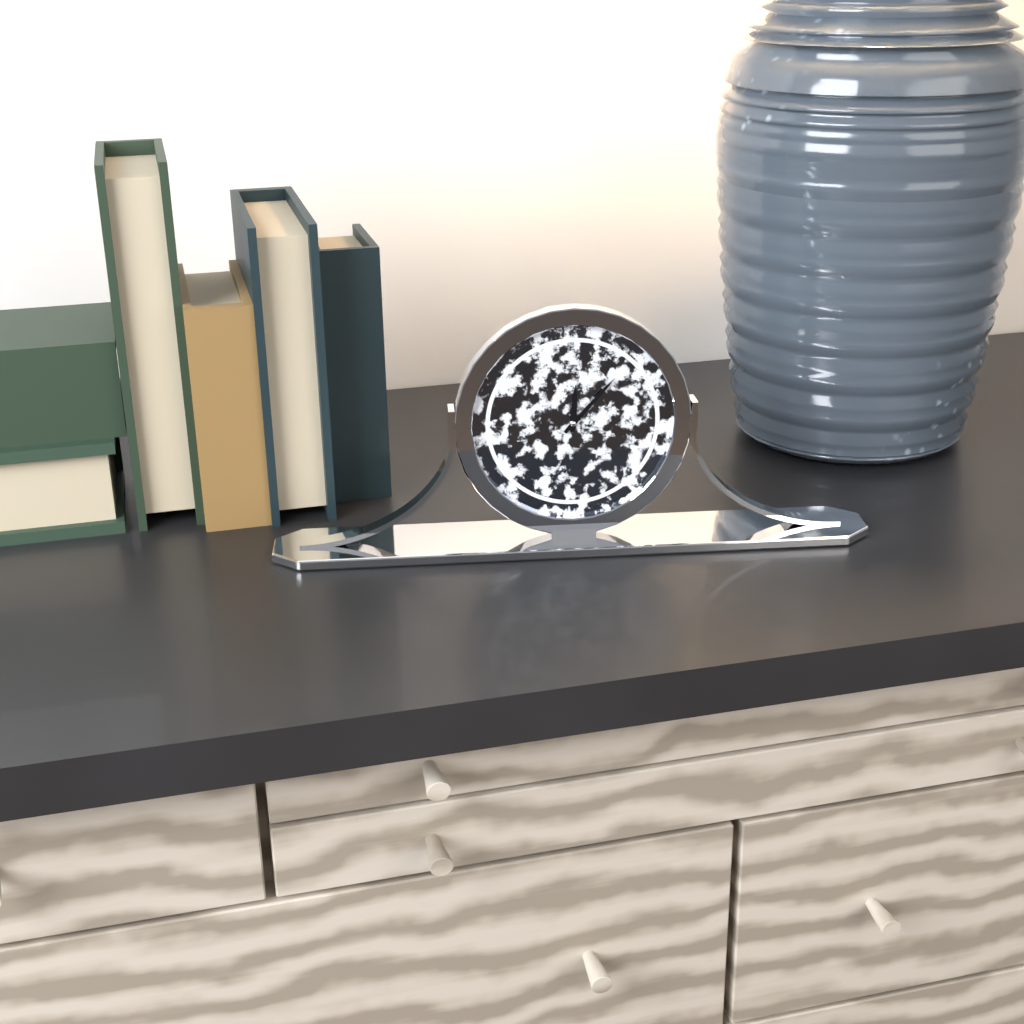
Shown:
**12:07**
